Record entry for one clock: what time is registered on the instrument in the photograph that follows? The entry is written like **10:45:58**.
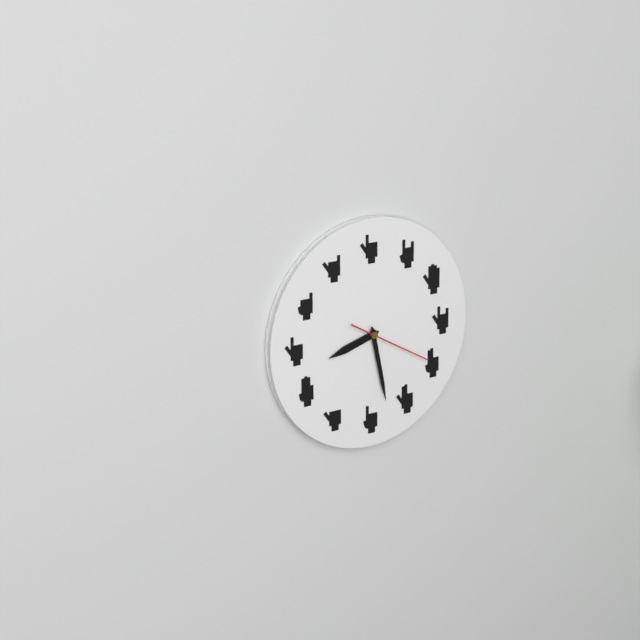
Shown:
**8:28:20**
